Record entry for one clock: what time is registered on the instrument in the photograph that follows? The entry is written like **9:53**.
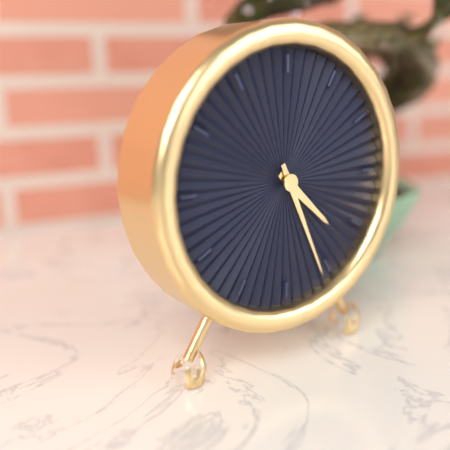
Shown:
**4:26**
